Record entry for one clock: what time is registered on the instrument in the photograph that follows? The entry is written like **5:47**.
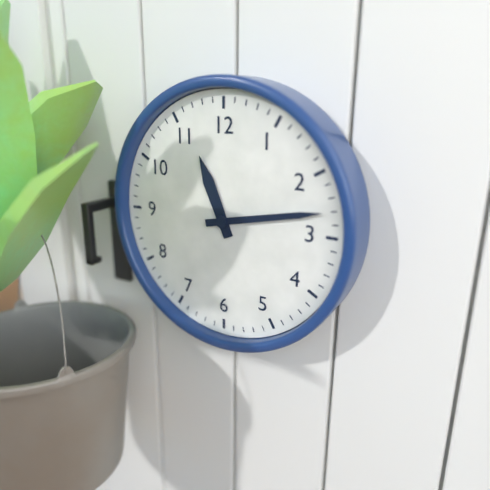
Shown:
**11:13**
